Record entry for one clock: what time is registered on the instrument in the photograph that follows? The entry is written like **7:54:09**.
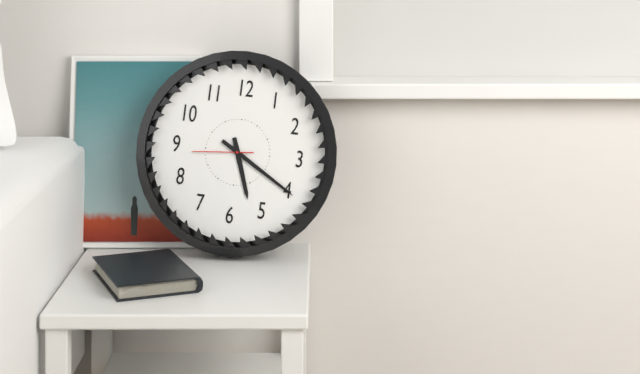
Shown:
**5:20:44**
